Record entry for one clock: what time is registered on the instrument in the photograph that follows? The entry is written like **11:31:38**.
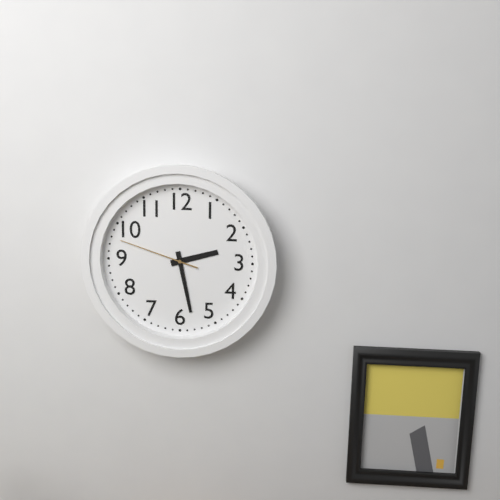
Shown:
**2:28:48**
